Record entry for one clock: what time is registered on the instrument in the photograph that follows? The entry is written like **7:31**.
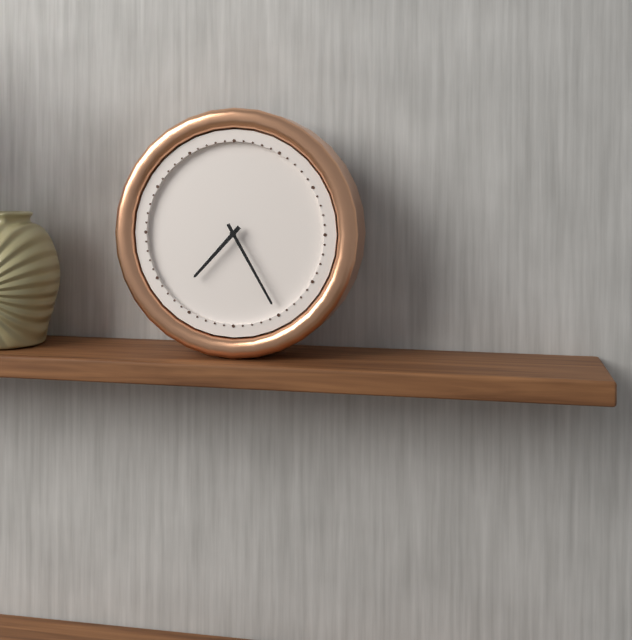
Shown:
**7:25**
